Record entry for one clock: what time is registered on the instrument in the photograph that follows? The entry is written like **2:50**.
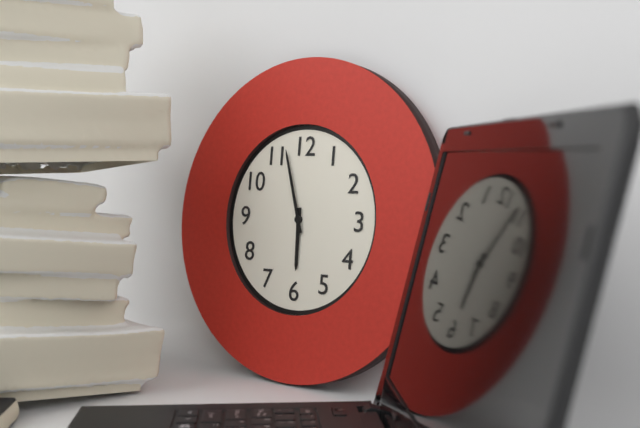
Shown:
**5:57**
